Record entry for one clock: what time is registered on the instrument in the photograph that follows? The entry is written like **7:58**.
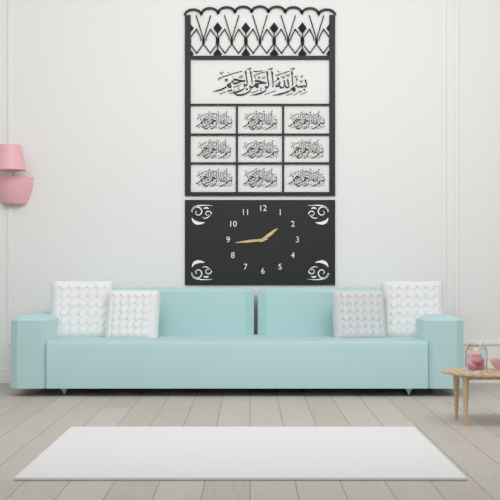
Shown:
**1:44**
